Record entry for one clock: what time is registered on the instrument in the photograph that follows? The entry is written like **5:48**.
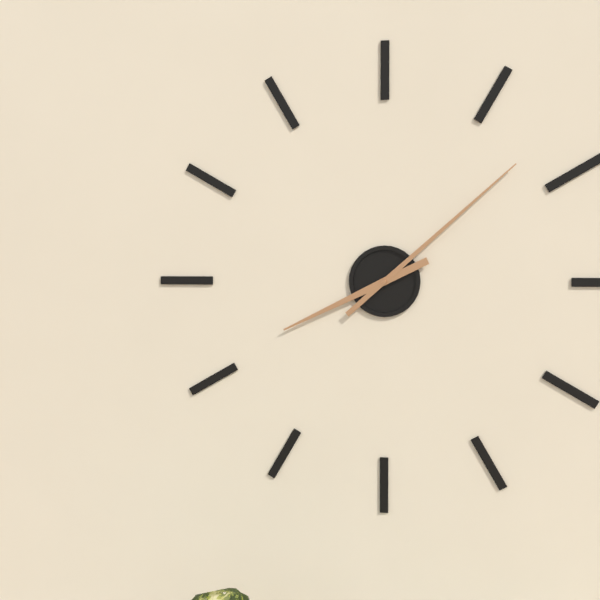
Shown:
**8:08**
